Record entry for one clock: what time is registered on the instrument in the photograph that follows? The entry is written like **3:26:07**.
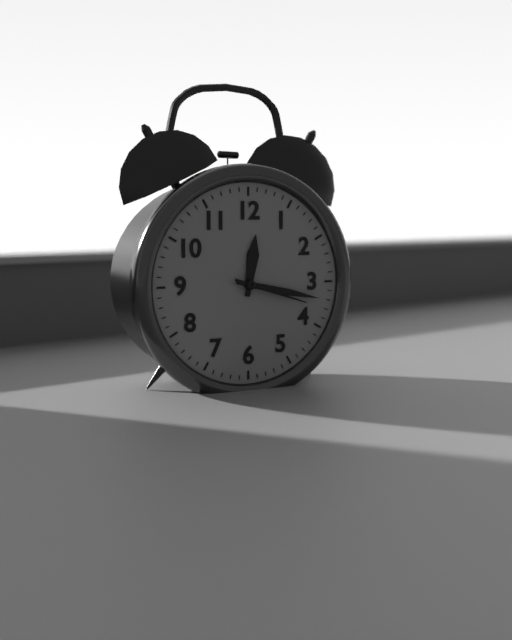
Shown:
**12:17:18**
